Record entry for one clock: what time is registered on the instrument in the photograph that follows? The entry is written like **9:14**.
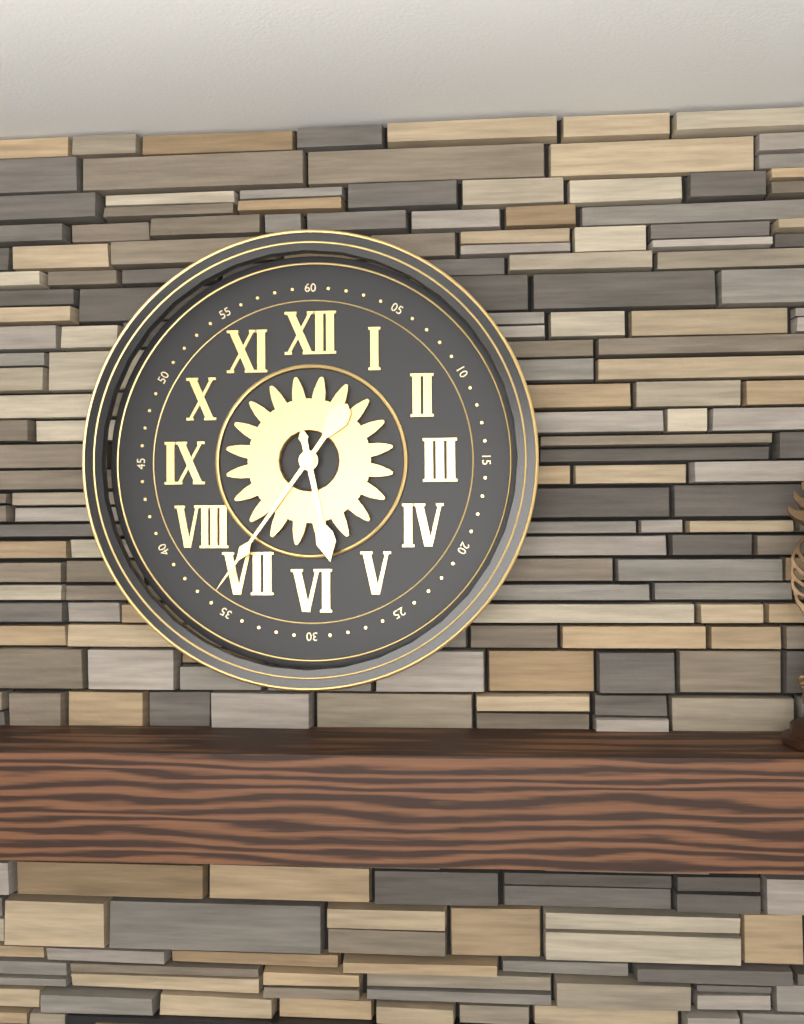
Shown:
**5:36**
